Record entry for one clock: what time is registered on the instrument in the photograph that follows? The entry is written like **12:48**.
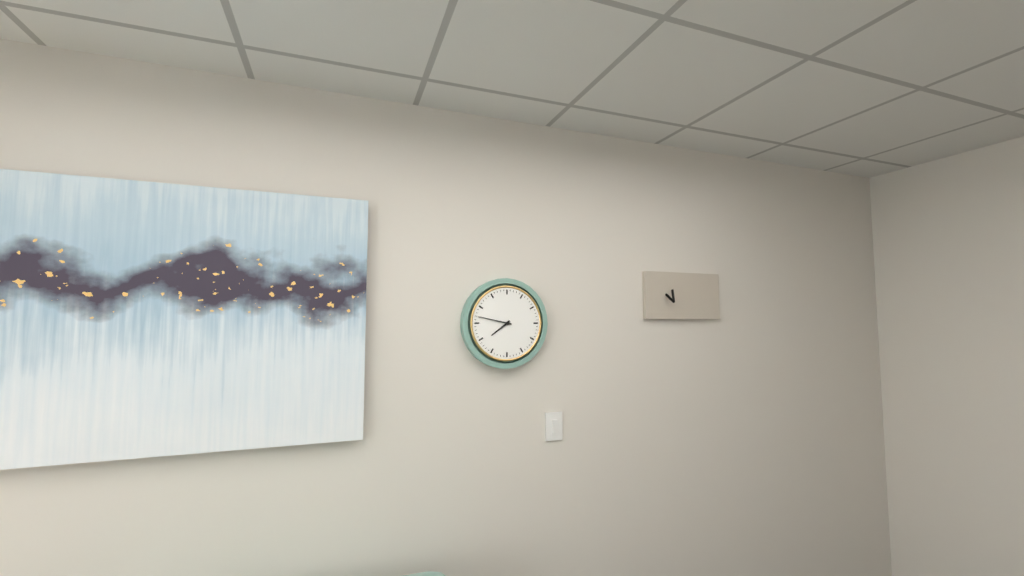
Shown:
**7:47**
